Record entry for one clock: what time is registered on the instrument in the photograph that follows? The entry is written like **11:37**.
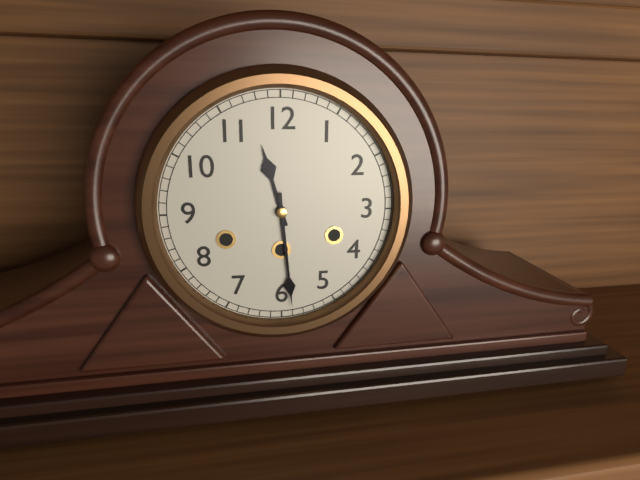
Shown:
**11:29**
